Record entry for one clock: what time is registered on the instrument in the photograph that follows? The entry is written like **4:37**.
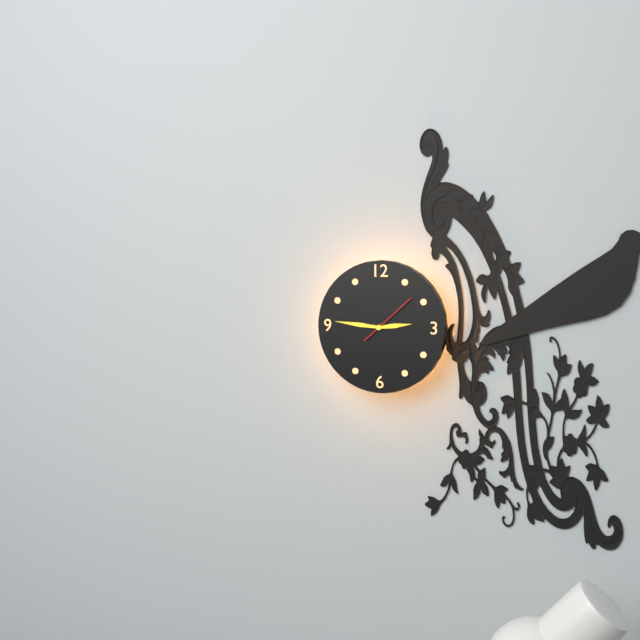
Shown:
**2:46**
